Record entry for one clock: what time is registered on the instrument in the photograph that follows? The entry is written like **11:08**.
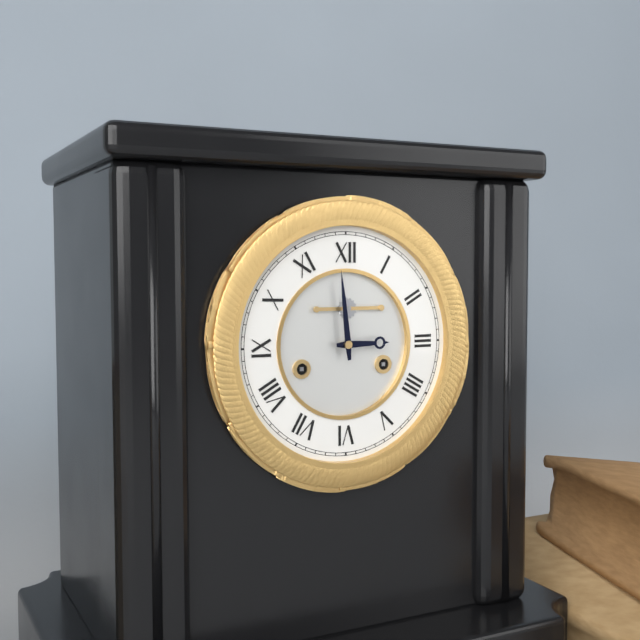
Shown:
**2:59**
